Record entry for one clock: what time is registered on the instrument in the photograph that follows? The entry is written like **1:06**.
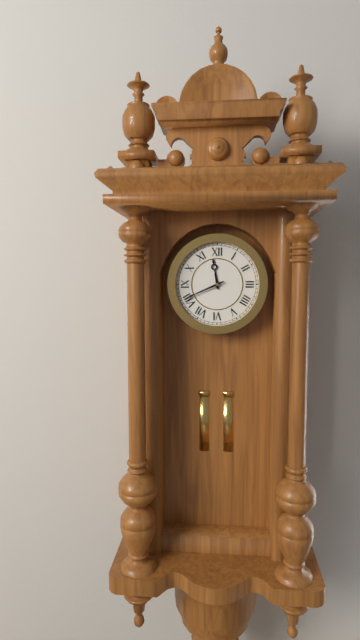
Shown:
**11:41**
